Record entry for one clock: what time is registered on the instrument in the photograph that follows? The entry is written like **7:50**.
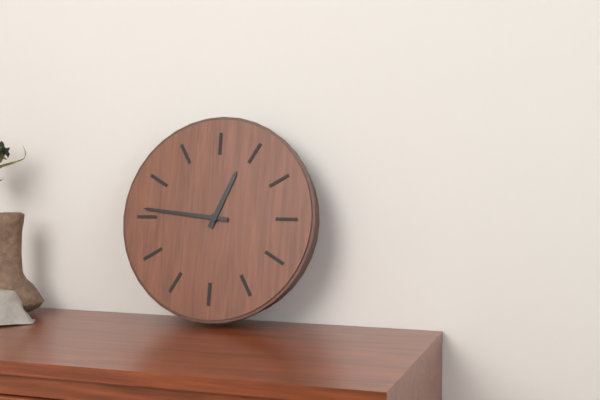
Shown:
**12:46**
